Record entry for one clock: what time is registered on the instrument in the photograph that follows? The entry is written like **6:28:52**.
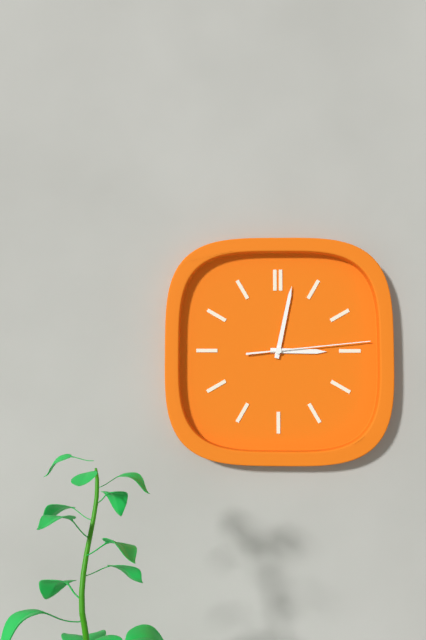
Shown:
**3:02:14**
